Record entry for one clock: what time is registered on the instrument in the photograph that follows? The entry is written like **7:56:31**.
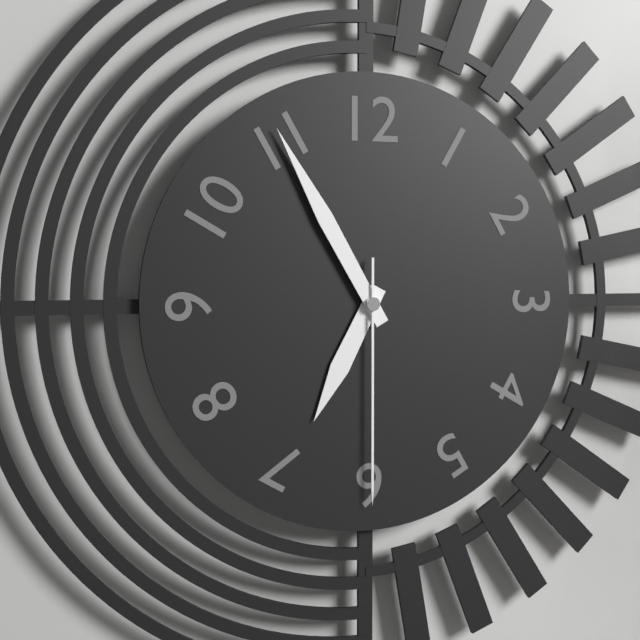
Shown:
**6:55:30**
